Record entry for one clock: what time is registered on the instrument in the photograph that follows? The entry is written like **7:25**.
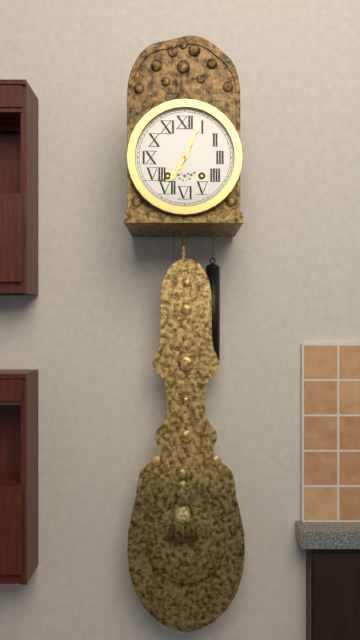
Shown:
**7:04**
